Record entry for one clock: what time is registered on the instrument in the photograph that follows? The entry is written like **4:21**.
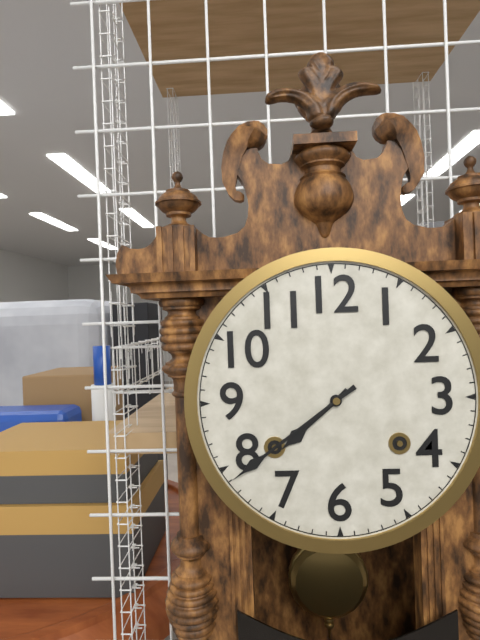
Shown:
**7:39**
